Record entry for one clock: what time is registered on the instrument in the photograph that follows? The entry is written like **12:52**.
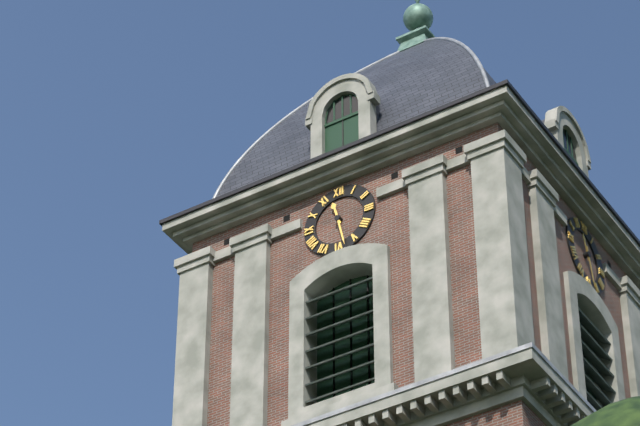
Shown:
**11:28**
